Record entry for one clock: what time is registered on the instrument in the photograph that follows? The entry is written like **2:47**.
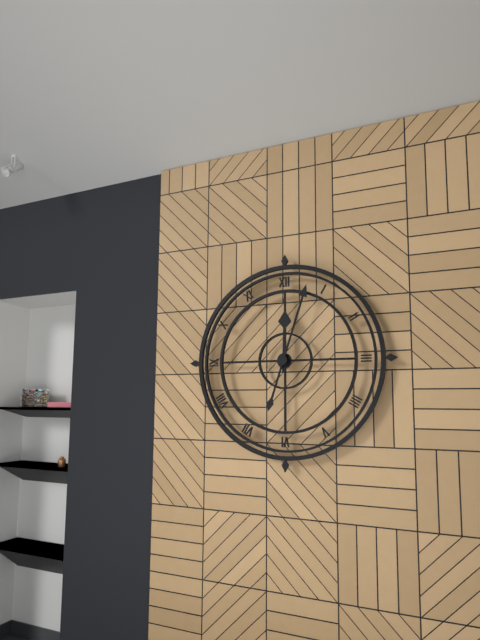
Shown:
**12:03**
